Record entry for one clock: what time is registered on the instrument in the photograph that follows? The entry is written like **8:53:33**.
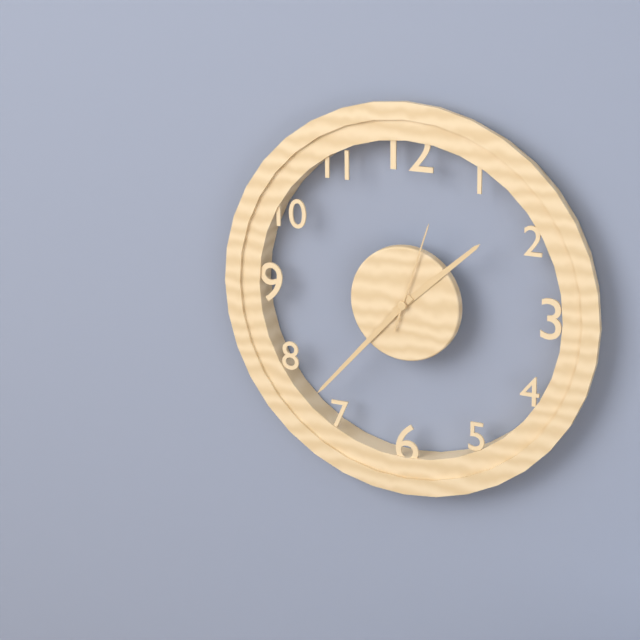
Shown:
**1:37:03**
